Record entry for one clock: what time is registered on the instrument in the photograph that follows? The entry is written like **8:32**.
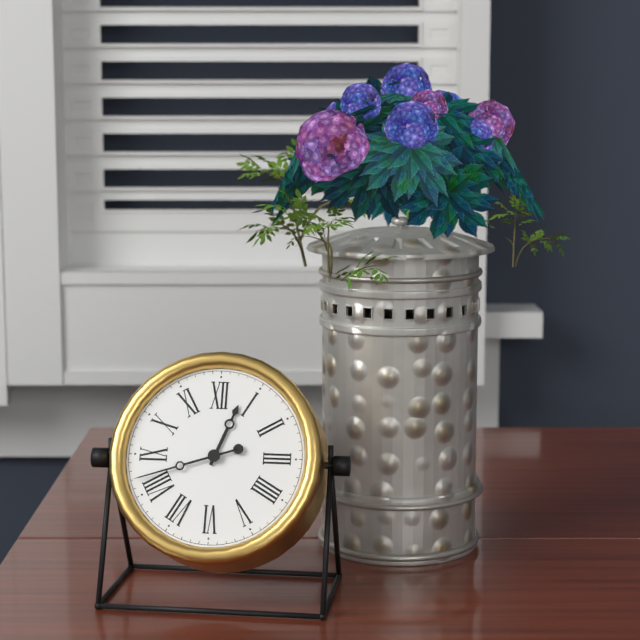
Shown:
**12:42**
